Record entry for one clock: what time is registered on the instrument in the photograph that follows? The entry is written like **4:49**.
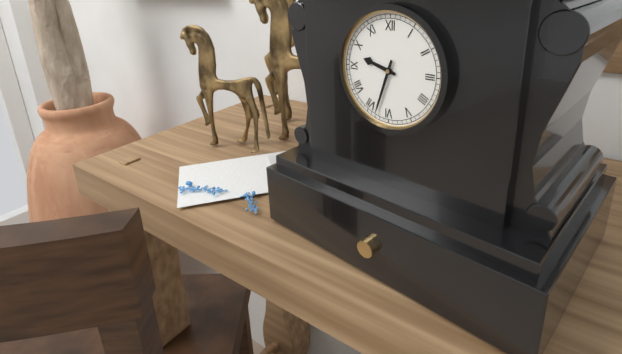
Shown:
**9:33**
